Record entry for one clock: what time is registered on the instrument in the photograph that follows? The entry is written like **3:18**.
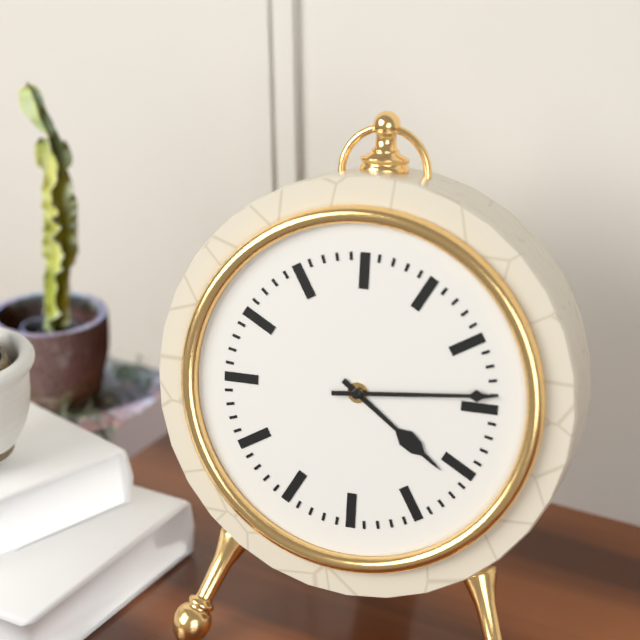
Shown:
**4:14**
